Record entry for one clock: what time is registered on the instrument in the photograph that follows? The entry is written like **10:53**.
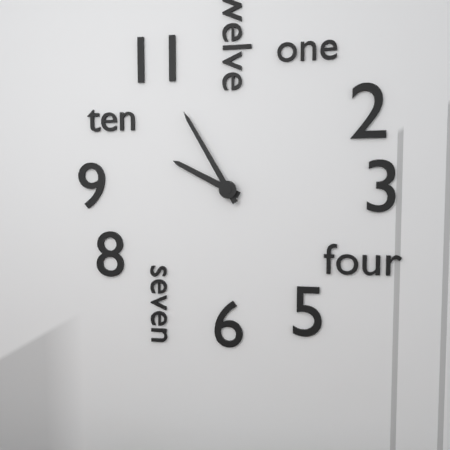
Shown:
**9:55**
